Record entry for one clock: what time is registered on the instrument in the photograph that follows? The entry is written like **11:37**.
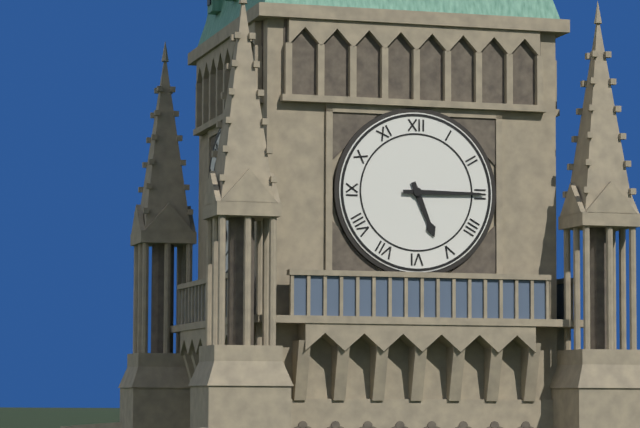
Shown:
**5:15**
